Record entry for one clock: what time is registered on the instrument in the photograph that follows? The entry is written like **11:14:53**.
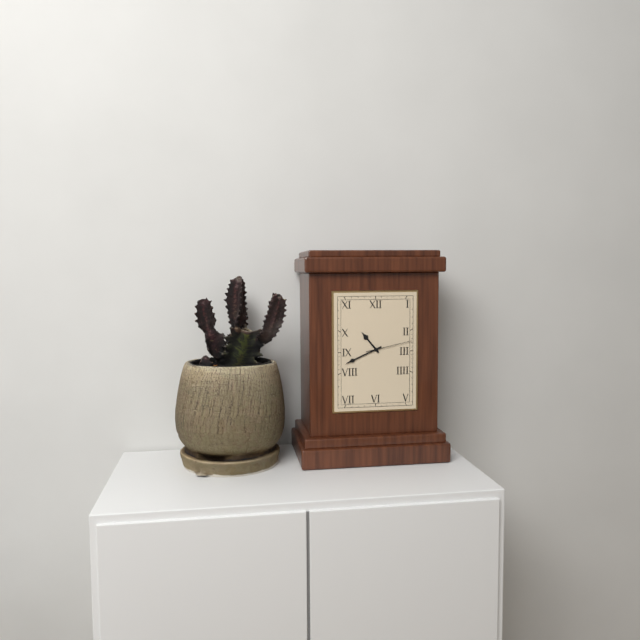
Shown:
**10:41:13**
